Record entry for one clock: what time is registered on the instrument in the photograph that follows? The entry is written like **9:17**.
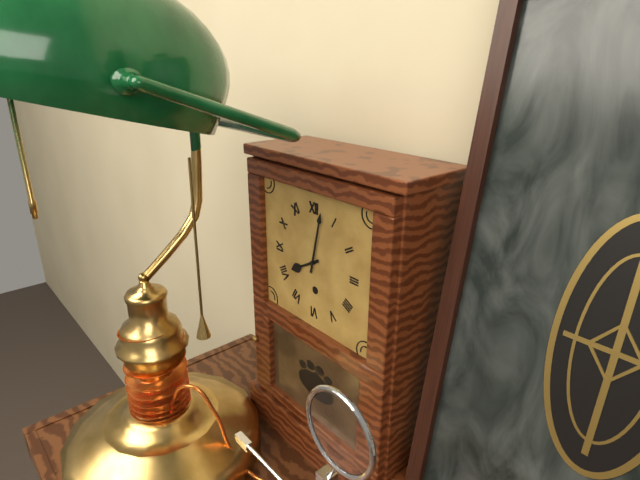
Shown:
**8:02**
